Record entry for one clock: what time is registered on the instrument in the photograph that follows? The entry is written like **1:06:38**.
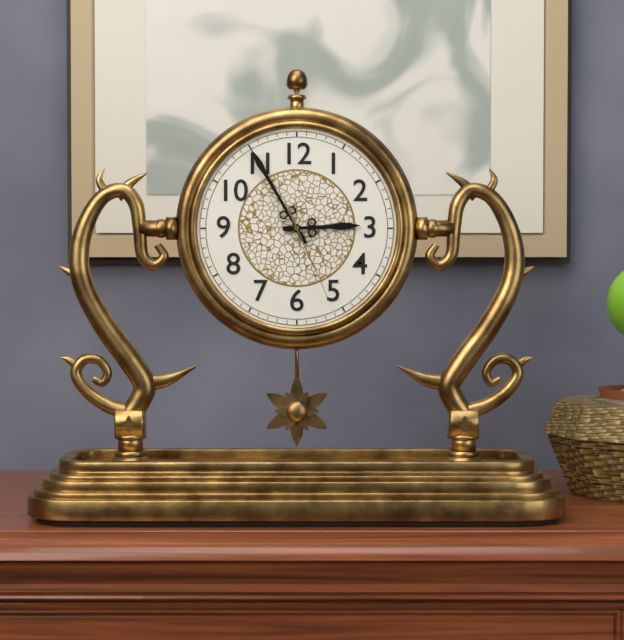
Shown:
**2:55:26**
